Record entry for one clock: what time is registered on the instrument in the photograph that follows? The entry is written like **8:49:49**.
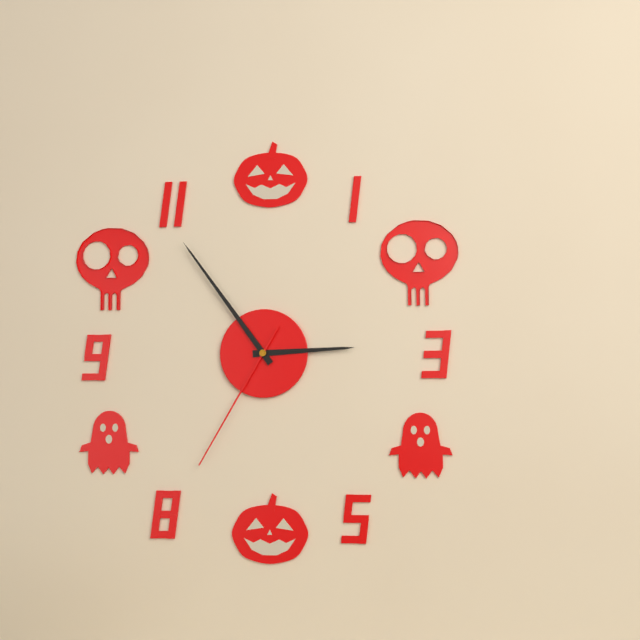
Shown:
**2:54:35**
